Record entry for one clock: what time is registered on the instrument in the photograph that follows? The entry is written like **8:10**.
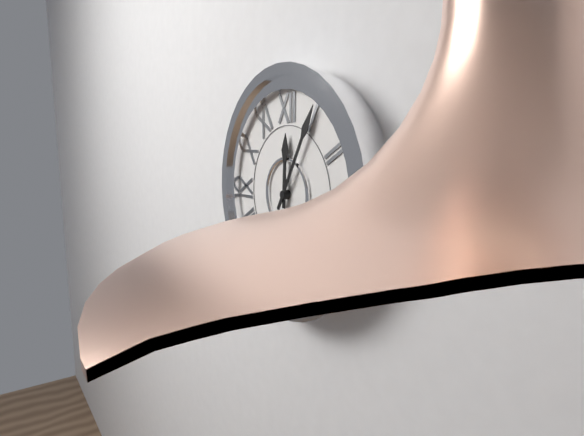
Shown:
**12:05**
